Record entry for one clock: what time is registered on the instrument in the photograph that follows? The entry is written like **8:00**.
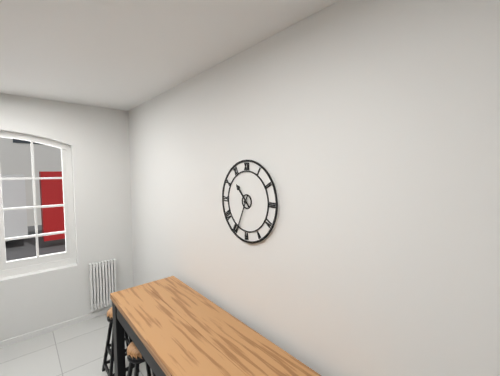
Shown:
**10:34**
